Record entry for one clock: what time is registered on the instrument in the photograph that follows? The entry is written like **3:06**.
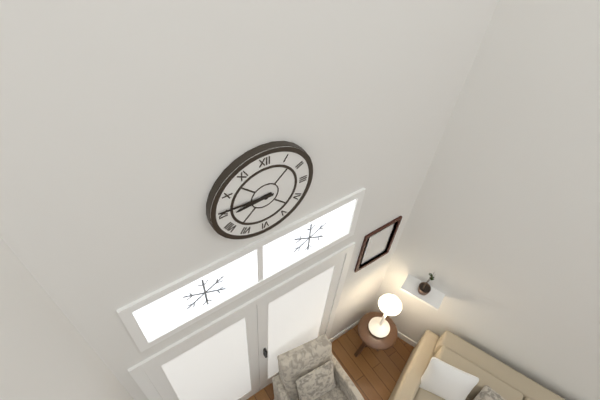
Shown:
**8:46**
